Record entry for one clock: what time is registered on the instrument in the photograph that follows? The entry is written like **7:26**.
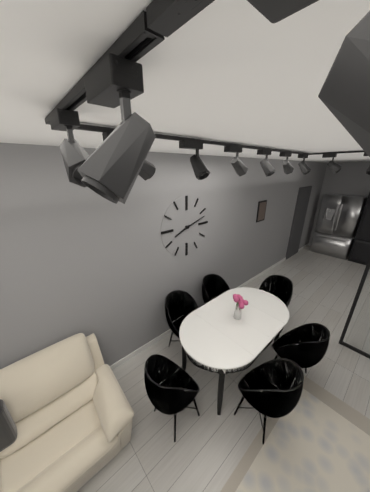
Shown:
**8:12**
